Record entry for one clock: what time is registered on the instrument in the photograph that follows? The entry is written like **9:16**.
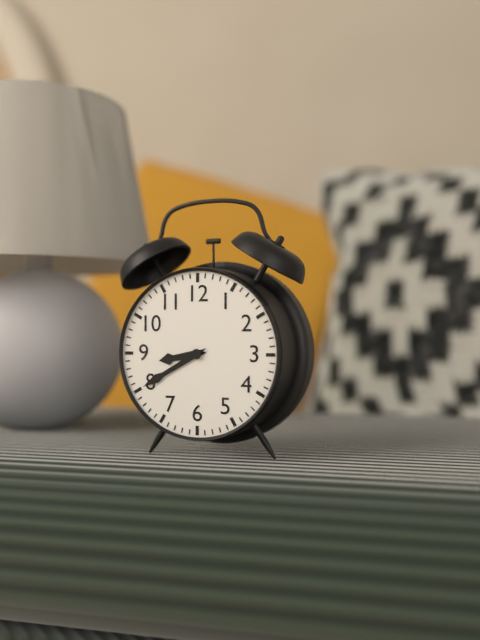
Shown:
**8:40**
